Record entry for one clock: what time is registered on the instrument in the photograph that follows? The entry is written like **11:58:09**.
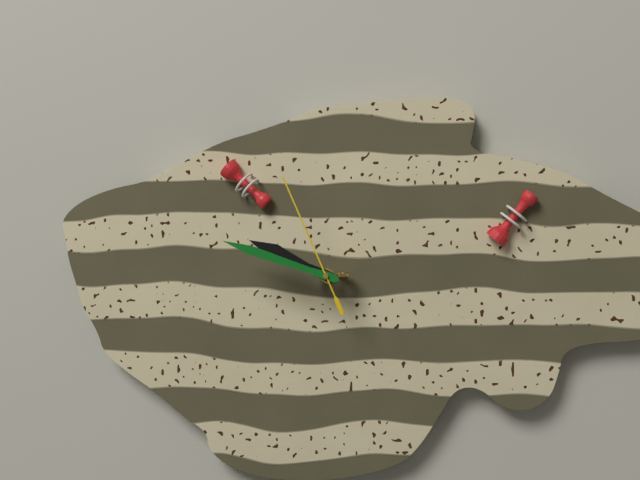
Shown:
**9:48:56**
